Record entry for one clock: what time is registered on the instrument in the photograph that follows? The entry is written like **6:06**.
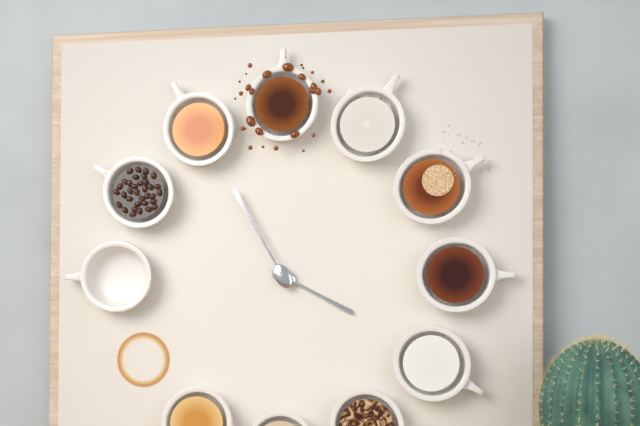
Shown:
**3:55**
